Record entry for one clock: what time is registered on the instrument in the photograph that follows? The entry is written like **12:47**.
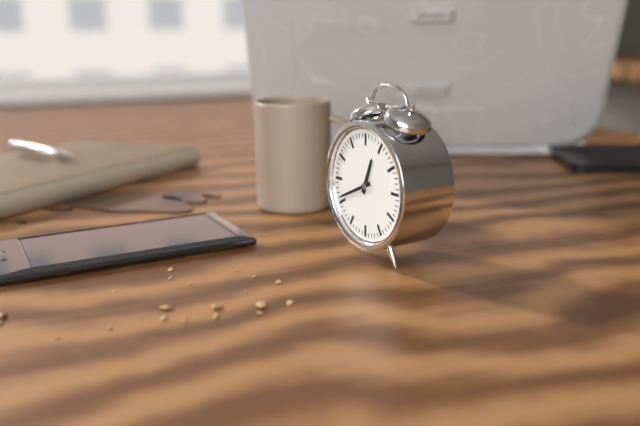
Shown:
**12:41**
